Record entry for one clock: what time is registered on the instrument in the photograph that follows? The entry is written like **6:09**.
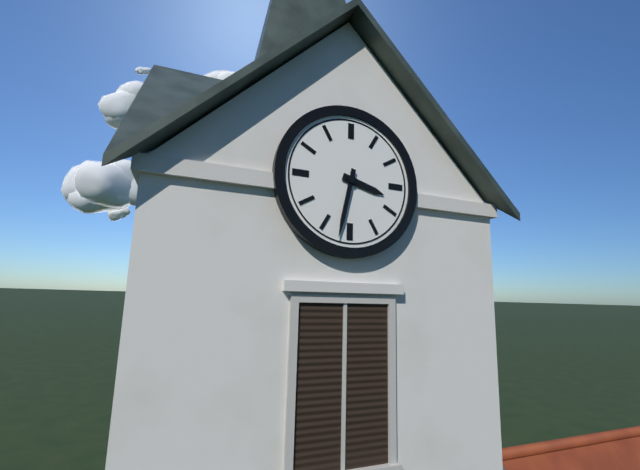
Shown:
**3:32**
